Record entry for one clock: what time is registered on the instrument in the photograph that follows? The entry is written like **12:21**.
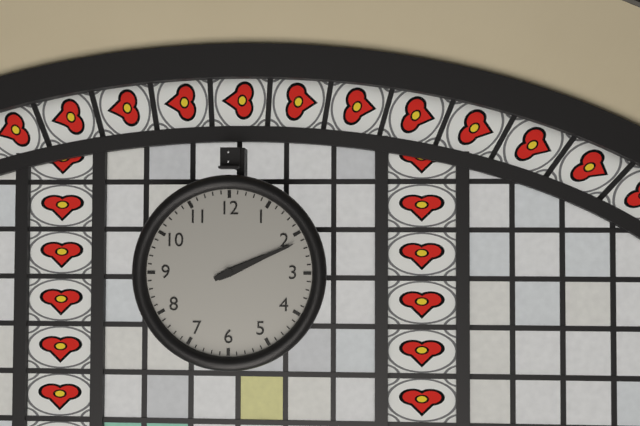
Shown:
**2:11**
